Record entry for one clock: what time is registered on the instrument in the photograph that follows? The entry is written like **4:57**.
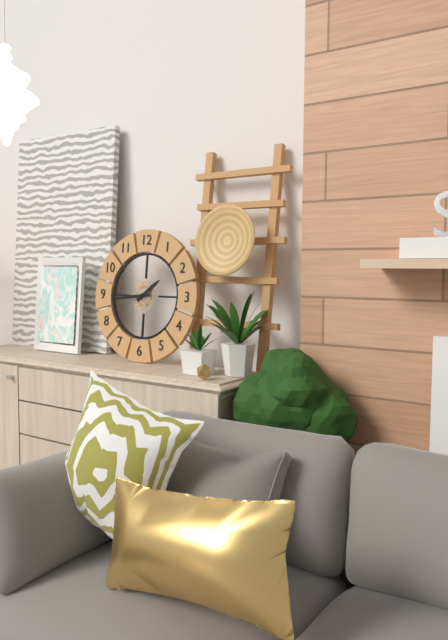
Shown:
**1:44**
